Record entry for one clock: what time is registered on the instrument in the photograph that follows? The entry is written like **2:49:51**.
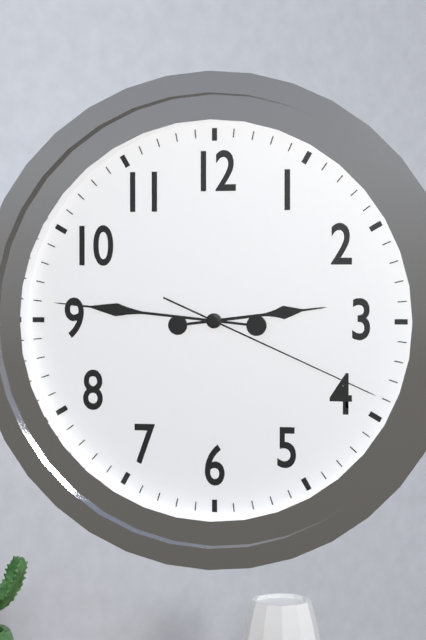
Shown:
**2:46:19**
